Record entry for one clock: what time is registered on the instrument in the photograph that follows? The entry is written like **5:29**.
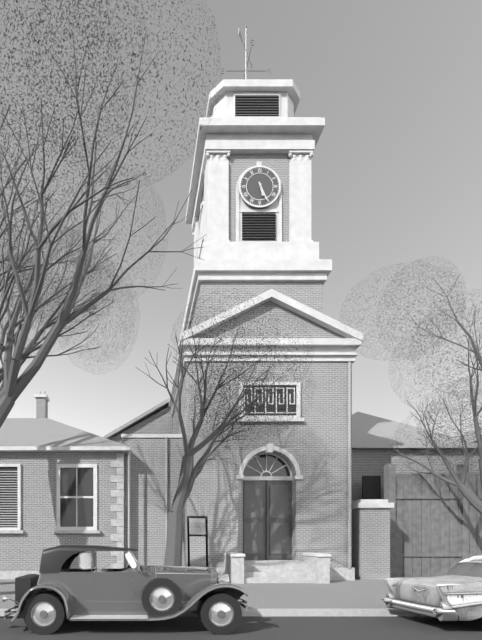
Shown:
**5:26**
